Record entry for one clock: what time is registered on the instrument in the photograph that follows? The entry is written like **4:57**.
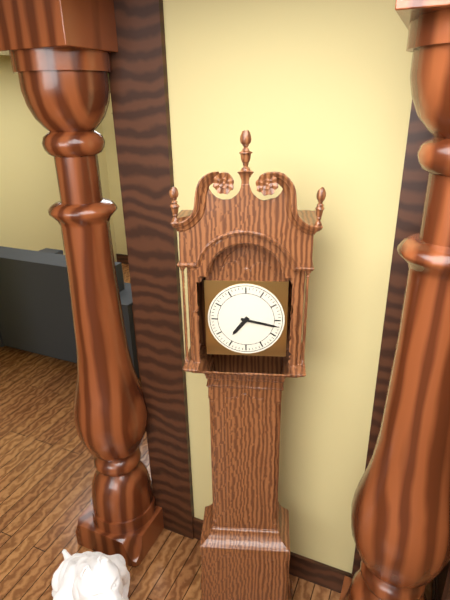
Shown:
**7:17**
